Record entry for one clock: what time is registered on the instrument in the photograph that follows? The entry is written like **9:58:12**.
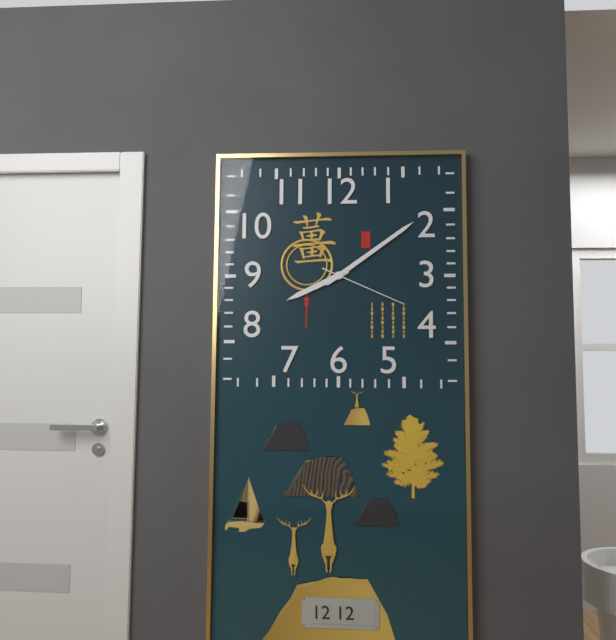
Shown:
**8:09:19**
